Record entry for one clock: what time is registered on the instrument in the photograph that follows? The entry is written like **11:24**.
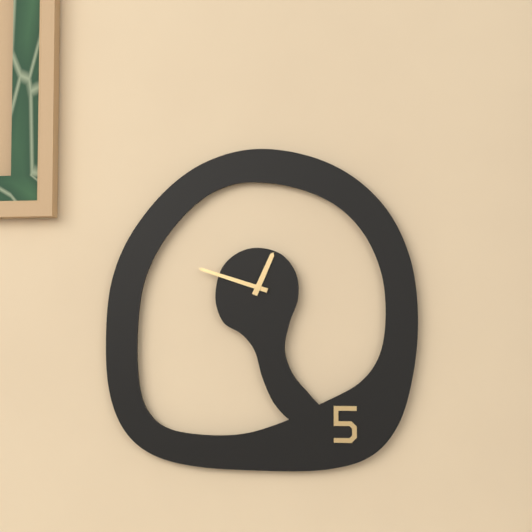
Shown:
**12:48**
